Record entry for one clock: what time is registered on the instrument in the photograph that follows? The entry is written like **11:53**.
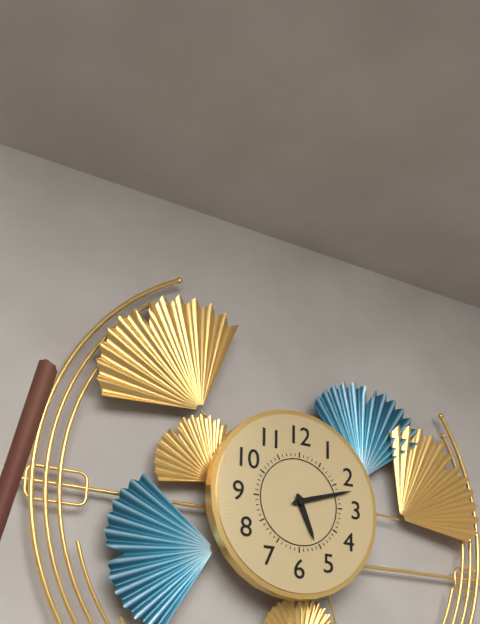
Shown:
**5:12**
